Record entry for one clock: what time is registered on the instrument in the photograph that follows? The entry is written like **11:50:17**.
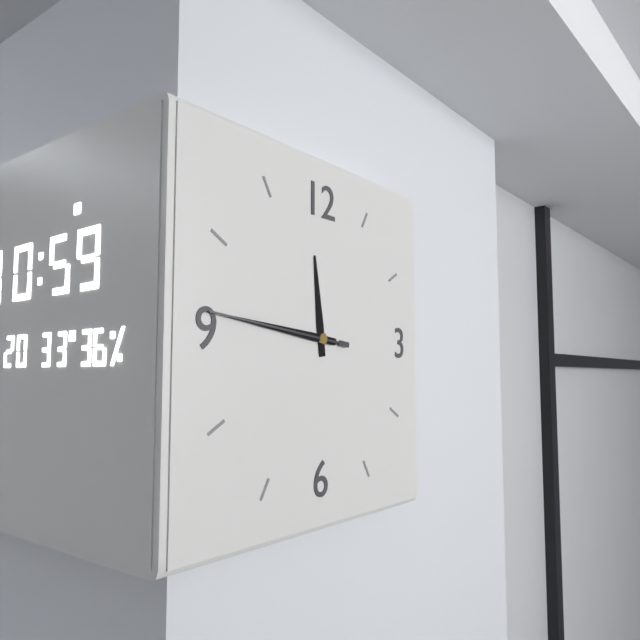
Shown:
**11:46:46**
